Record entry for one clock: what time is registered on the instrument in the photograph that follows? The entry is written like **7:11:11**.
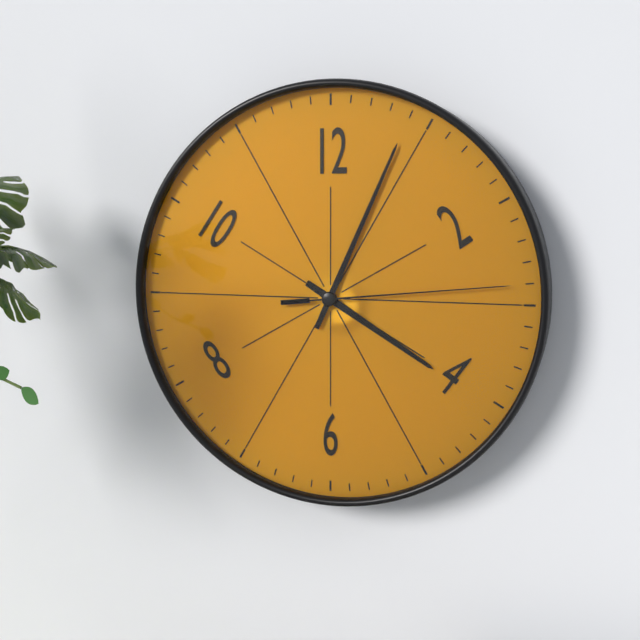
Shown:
**4:04:14**
